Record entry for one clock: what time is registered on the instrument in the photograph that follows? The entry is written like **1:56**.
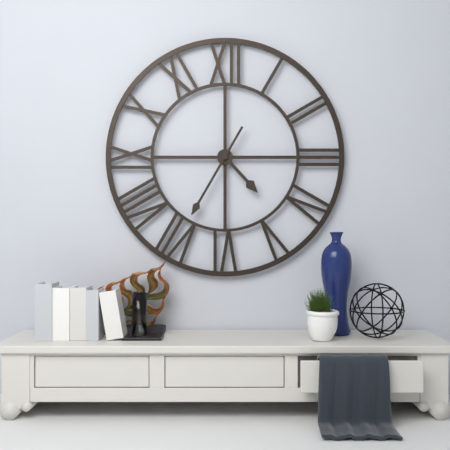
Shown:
**4:35**
